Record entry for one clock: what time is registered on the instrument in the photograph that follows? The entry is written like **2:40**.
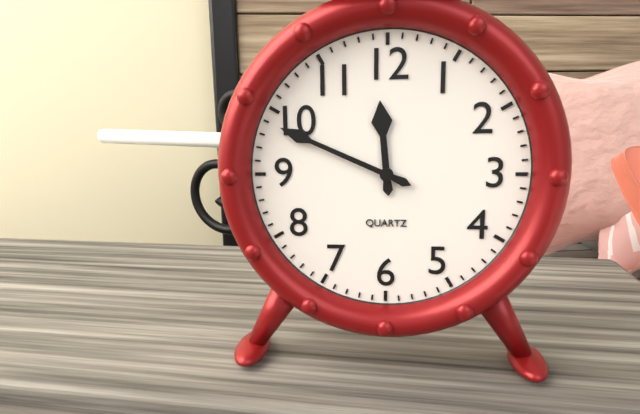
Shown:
**11:49**
